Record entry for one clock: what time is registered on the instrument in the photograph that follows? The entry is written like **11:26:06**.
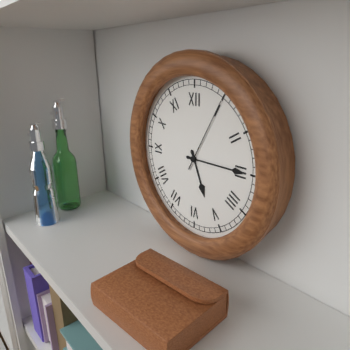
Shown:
**5:15:05**
